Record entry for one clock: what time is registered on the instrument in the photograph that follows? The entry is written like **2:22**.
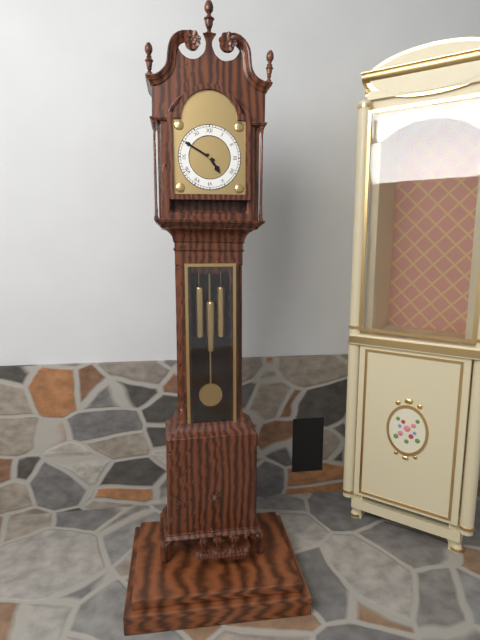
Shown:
**4:50**
